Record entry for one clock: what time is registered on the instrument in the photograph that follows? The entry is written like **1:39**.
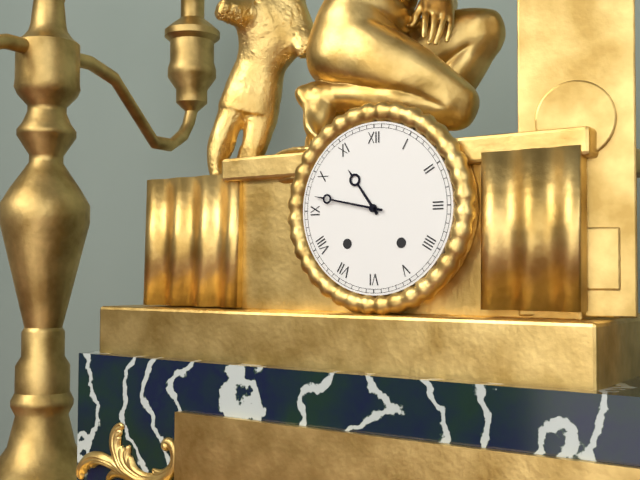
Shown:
**10:47**
